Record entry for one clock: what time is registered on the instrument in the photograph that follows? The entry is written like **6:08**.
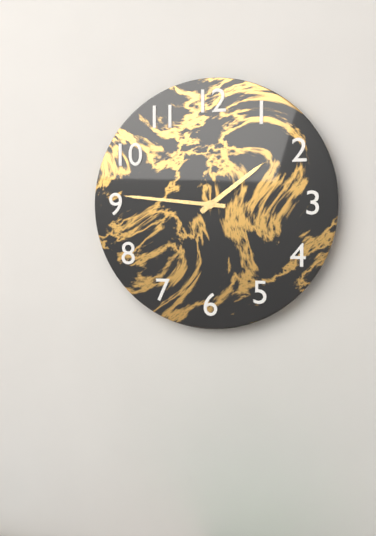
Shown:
**1:46**
